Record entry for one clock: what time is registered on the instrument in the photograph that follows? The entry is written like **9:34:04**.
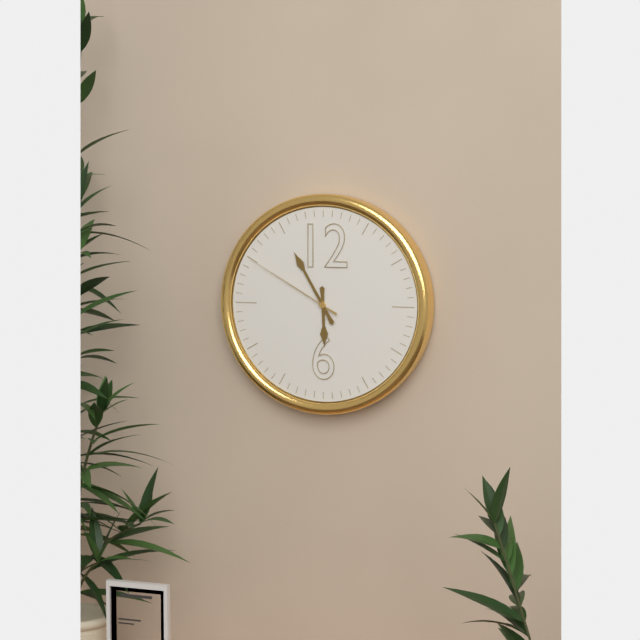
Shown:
**5:55:50**
